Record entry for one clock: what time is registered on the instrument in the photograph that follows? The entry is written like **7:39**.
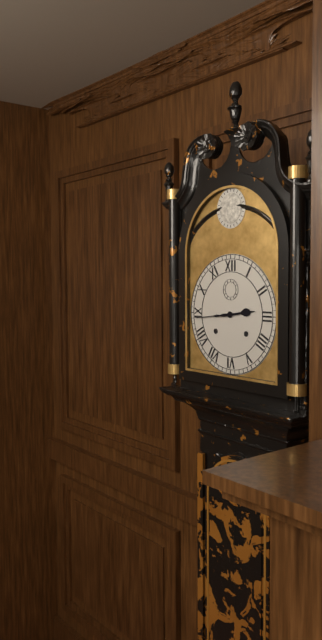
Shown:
**2:44**
